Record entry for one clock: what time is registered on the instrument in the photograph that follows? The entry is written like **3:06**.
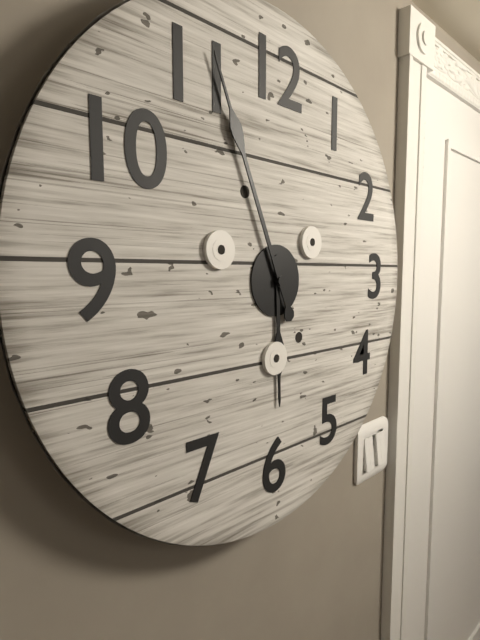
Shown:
**5:56**
